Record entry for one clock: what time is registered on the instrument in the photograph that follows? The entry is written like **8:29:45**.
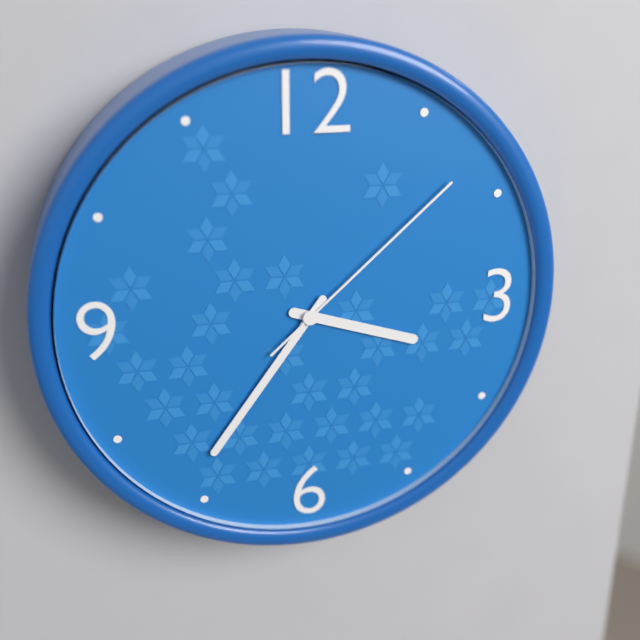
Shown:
**3:36:08**
